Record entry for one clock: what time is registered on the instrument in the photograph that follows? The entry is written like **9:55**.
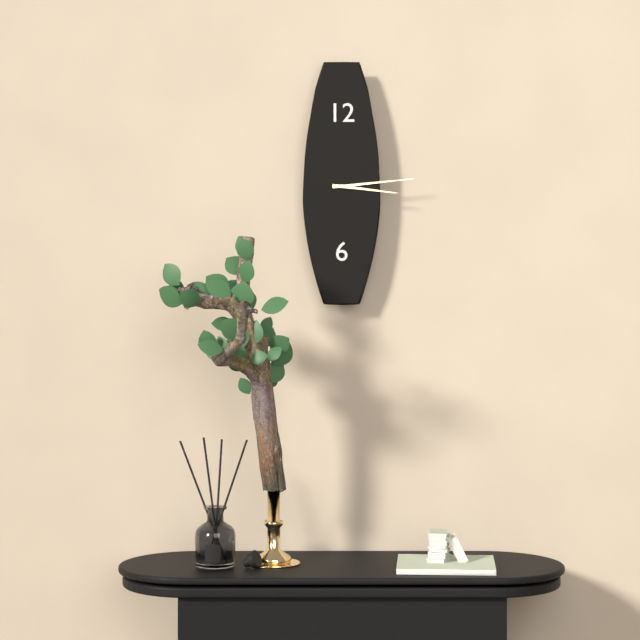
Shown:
**3:14**
